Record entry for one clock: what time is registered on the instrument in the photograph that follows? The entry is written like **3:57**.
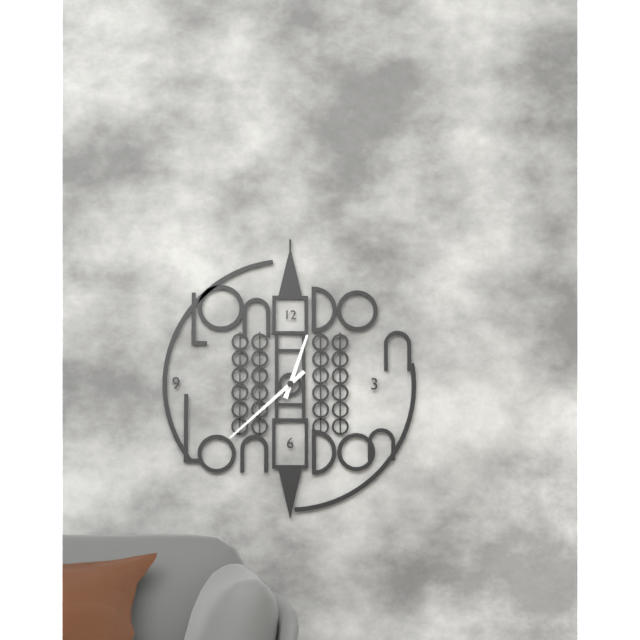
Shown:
**12:38**
